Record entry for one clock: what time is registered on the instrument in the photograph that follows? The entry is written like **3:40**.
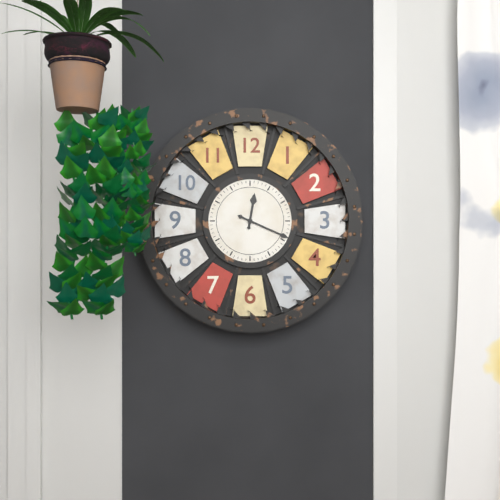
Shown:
**12:19**
